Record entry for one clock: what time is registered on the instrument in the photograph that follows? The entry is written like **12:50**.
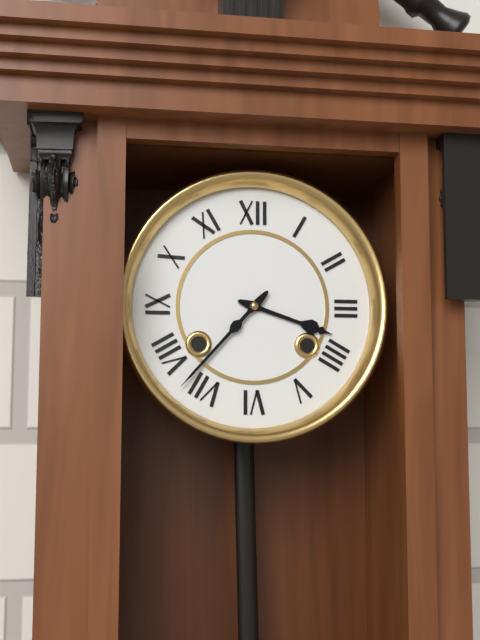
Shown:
**3:37**
